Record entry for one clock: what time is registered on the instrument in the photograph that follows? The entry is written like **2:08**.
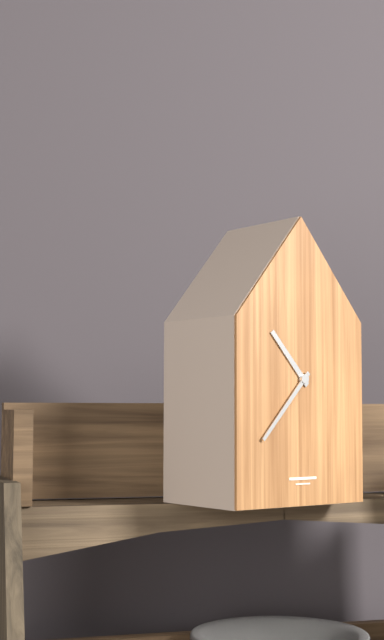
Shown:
**10:37**
